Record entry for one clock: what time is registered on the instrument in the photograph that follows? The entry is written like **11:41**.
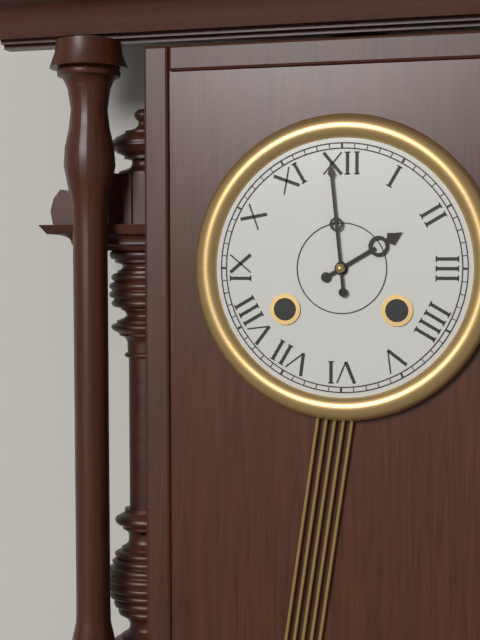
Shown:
**1:59**
